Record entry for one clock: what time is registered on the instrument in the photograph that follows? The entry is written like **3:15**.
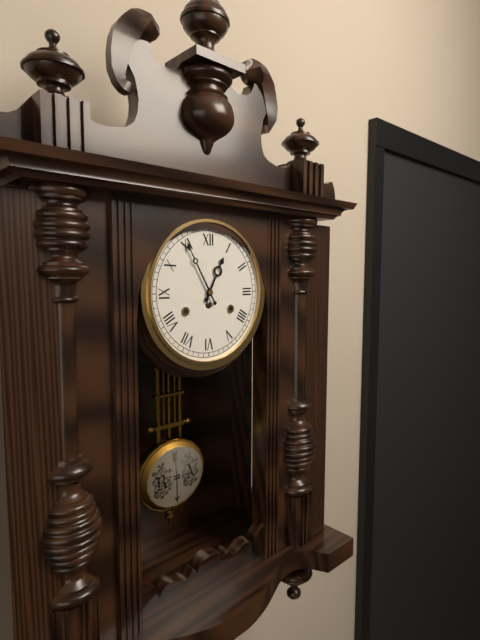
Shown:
**12:55**
